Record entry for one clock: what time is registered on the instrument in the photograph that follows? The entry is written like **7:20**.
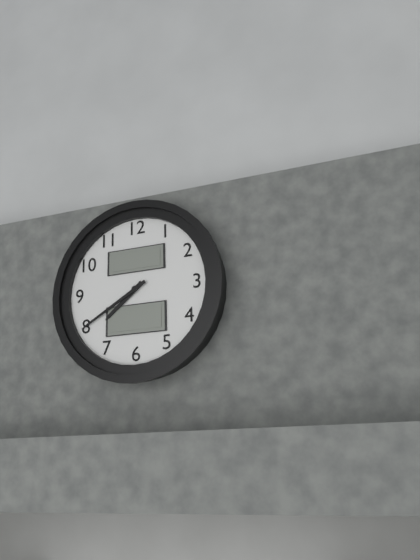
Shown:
**7:40**
